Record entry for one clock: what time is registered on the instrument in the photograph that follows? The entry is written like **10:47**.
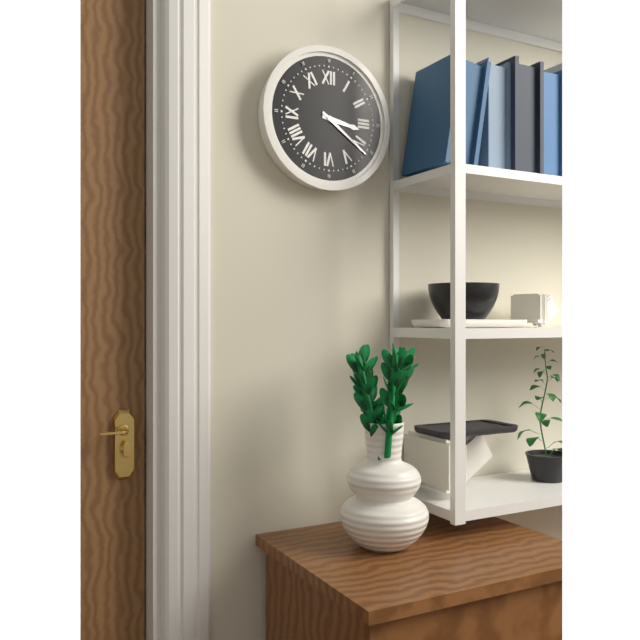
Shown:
**3:21**
